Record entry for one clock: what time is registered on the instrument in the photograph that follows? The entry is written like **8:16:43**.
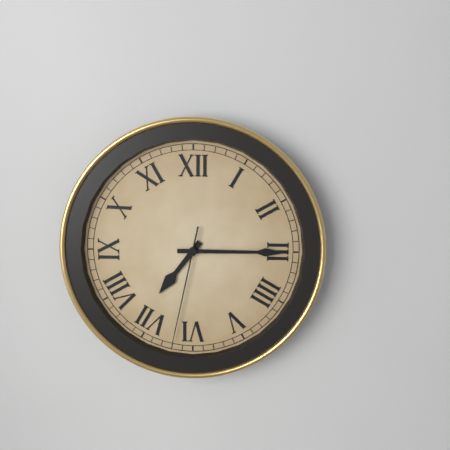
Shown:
**7:15:32**
